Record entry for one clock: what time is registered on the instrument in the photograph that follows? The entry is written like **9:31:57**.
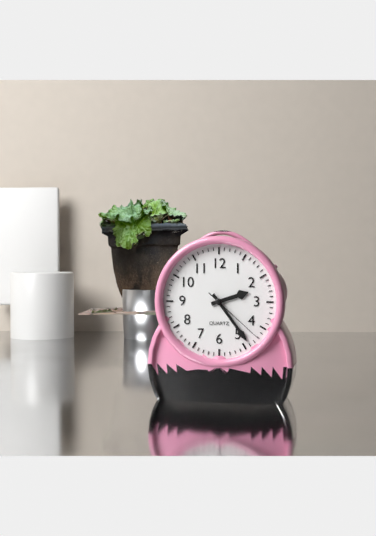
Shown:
**2:24:22**
